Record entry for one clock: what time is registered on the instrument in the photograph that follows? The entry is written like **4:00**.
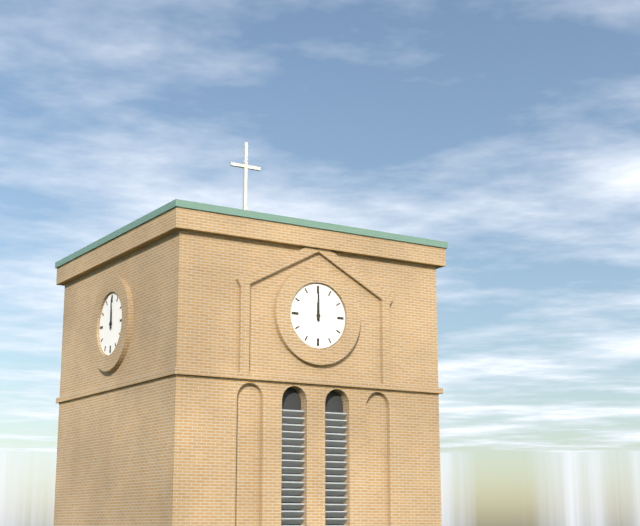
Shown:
**12:00**
